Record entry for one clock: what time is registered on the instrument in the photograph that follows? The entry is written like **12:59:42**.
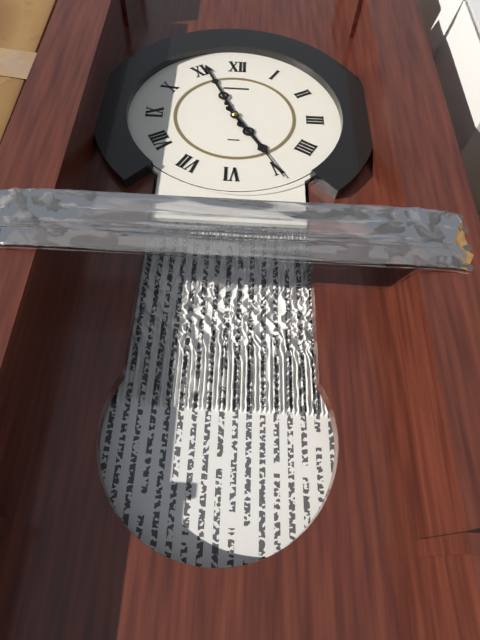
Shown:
**4:56:25**
